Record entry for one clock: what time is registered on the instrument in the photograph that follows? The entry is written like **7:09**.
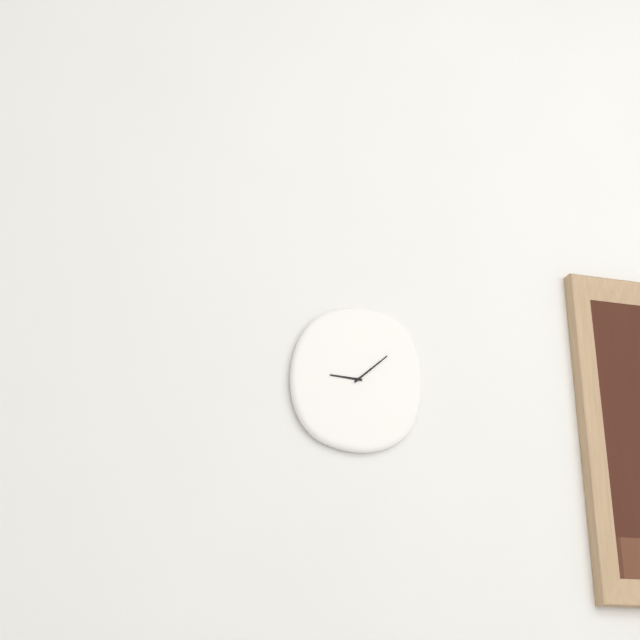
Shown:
**9:08**
